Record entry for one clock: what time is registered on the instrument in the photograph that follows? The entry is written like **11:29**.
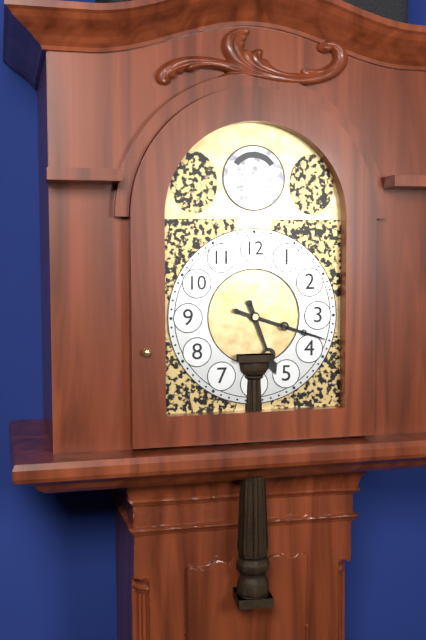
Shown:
**5:18**
